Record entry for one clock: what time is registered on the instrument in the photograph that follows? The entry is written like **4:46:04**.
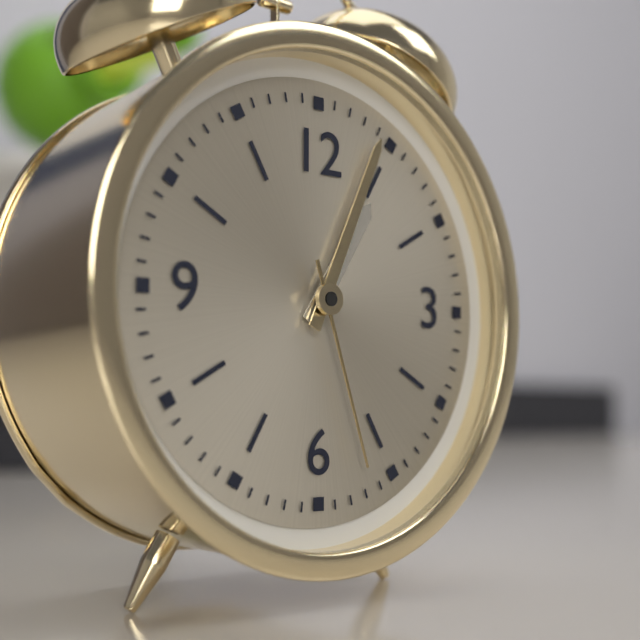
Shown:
**1:04:27**
